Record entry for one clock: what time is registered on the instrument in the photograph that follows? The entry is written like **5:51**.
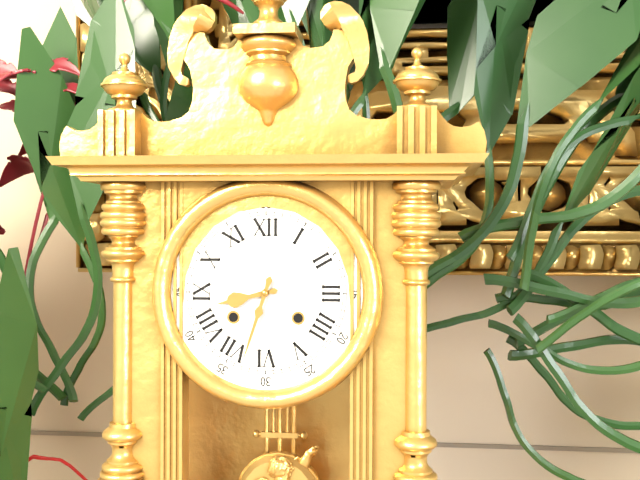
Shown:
**8:33**
